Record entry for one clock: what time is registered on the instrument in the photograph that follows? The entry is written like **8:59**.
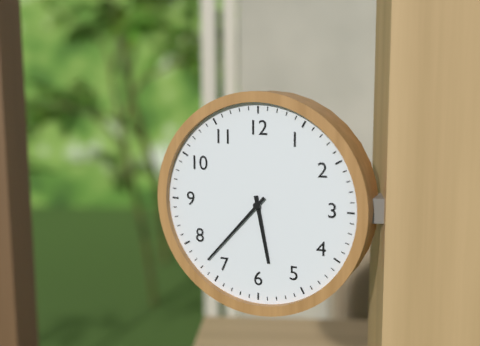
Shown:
**5:37**
